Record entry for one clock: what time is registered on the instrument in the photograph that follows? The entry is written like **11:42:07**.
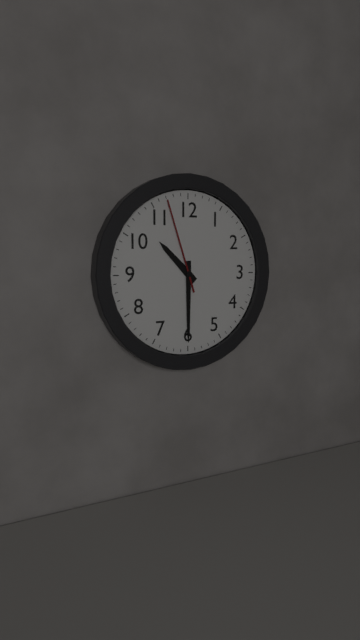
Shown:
**10:30:57**
